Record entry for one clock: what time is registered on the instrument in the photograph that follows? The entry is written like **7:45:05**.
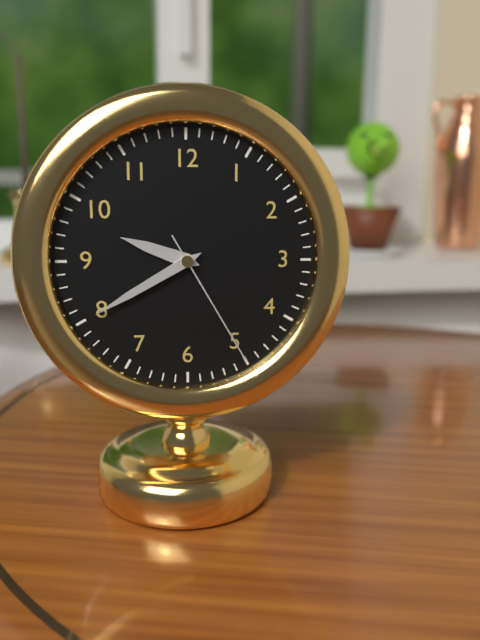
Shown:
**9:40:25**
